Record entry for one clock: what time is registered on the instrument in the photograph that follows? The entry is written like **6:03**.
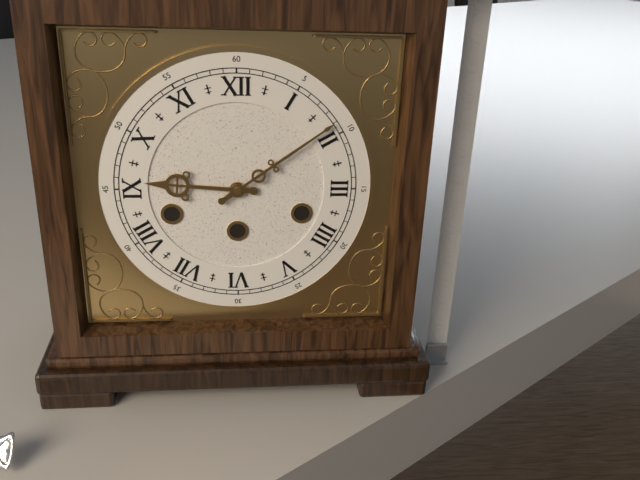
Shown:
**9:09**
